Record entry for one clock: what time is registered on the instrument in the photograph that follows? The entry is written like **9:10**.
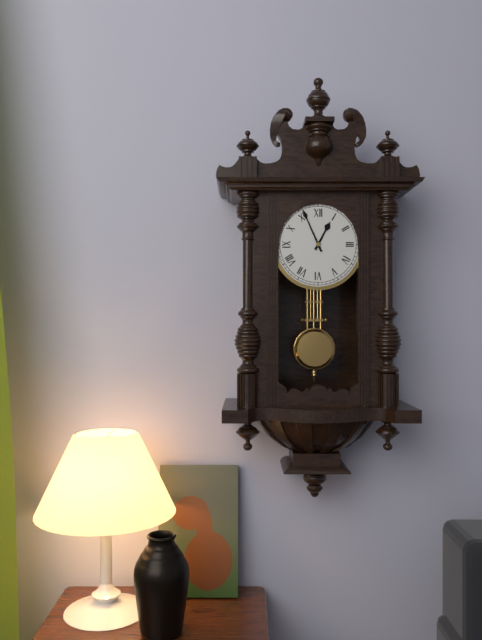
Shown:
**12:56**
